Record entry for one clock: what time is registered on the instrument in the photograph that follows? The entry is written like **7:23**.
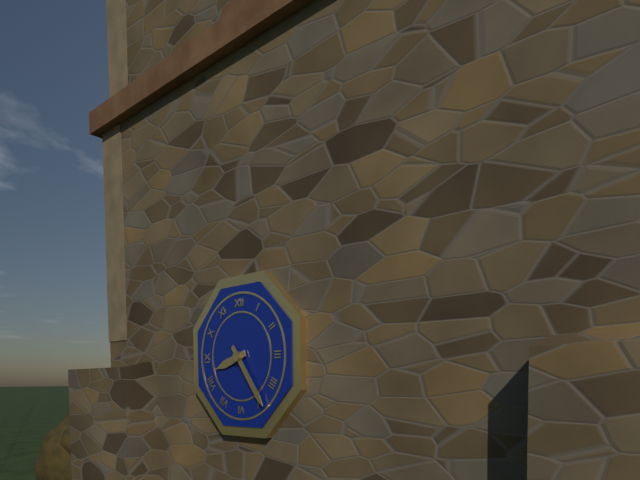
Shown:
**8:24**
